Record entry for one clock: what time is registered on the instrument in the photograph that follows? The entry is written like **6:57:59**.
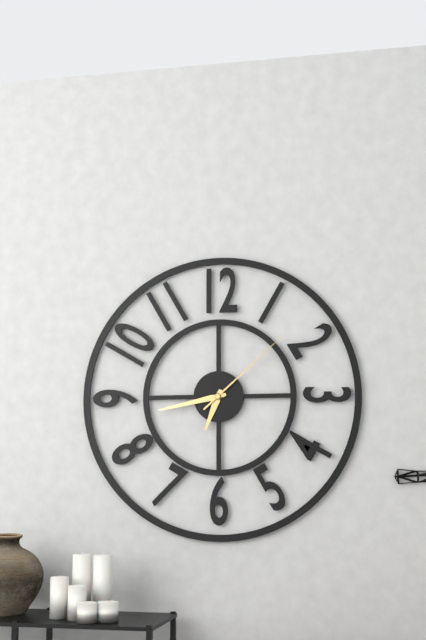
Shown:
**6:43:08**
